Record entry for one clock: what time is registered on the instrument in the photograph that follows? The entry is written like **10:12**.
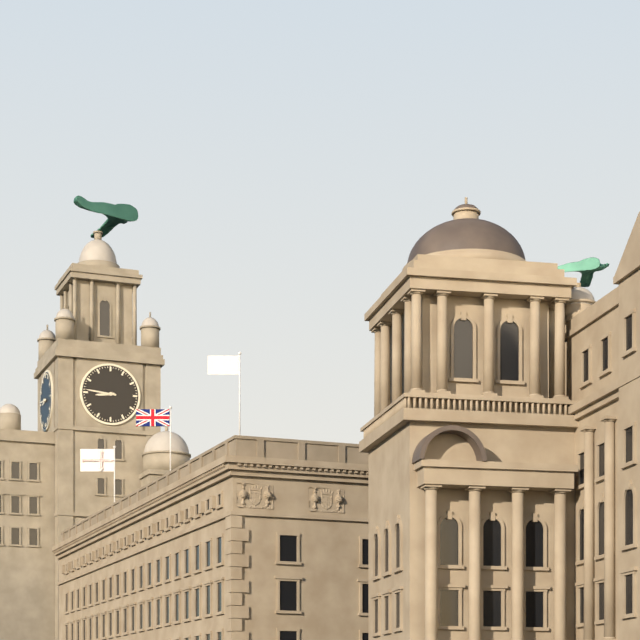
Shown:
**8:46**
